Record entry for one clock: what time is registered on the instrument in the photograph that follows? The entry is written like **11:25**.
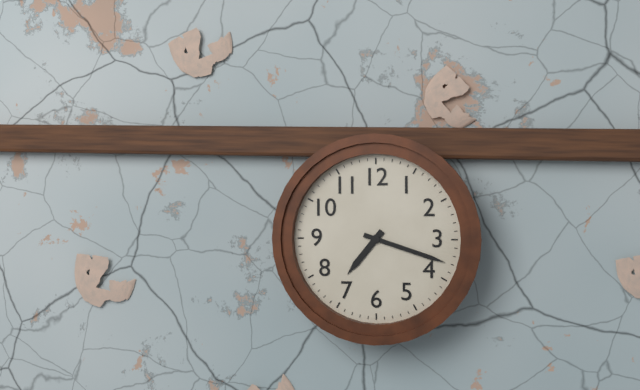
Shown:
**7:18**
